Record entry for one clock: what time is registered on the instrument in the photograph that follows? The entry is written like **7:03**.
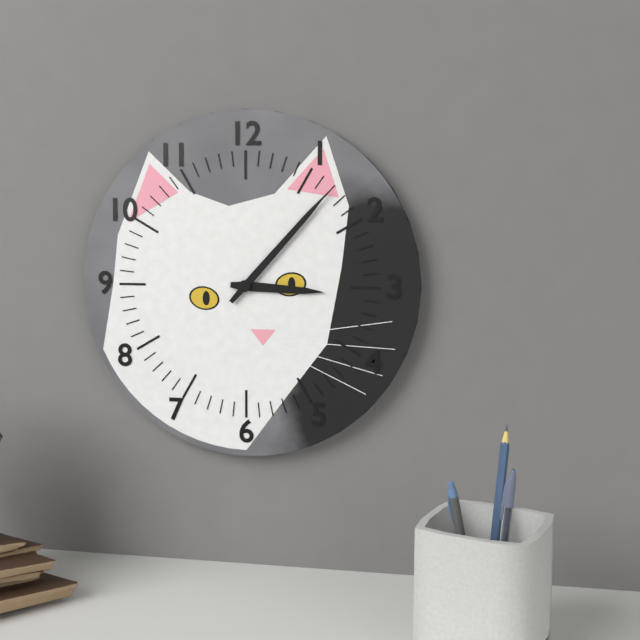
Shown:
**3:07**
